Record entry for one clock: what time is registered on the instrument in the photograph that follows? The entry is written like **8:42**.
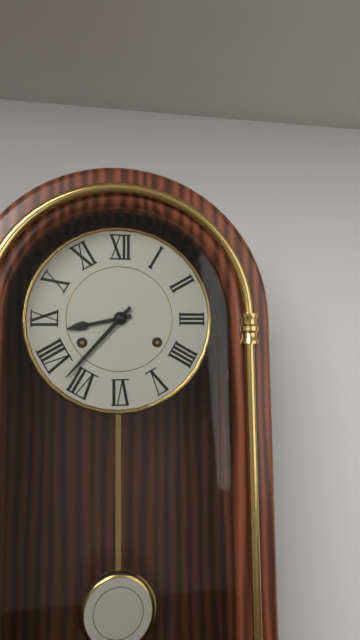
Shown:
**8:37**
